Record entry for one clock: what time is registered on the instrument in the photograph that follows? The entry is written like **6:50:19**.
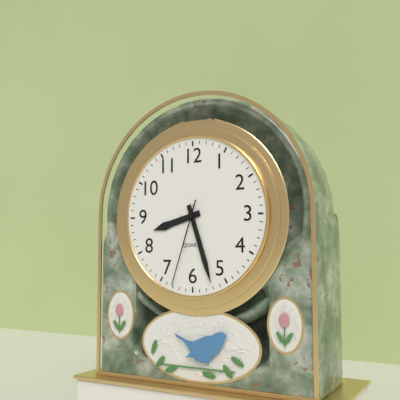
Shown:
**8:27:33**
